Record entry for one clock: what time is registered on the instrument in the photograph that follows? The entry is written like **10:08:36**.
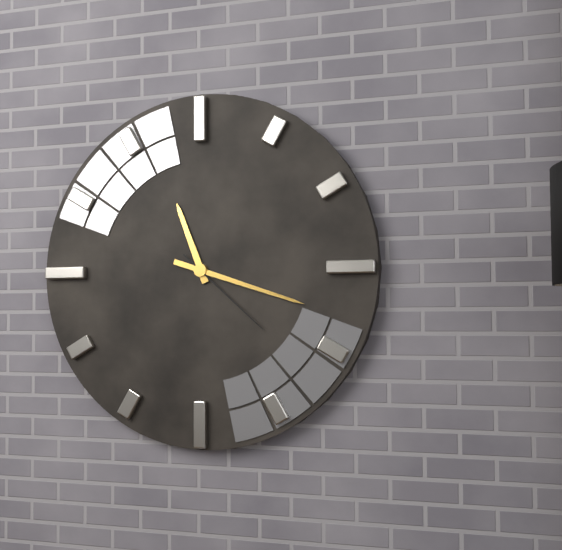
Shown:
**11:18:22**
